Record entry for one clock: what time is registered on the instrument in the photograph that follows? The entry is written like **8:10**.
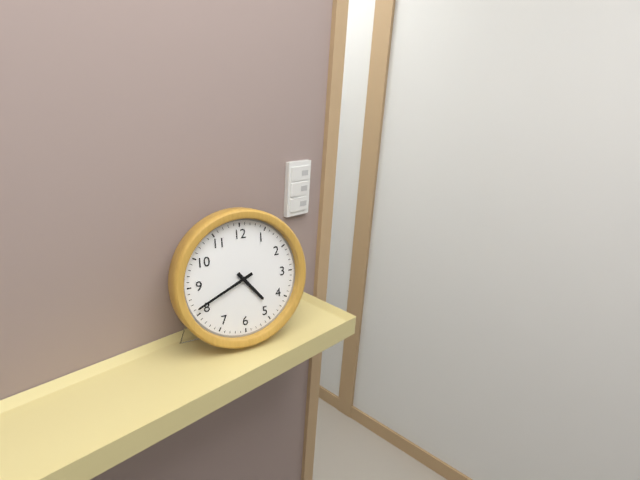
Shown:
**4:41**
